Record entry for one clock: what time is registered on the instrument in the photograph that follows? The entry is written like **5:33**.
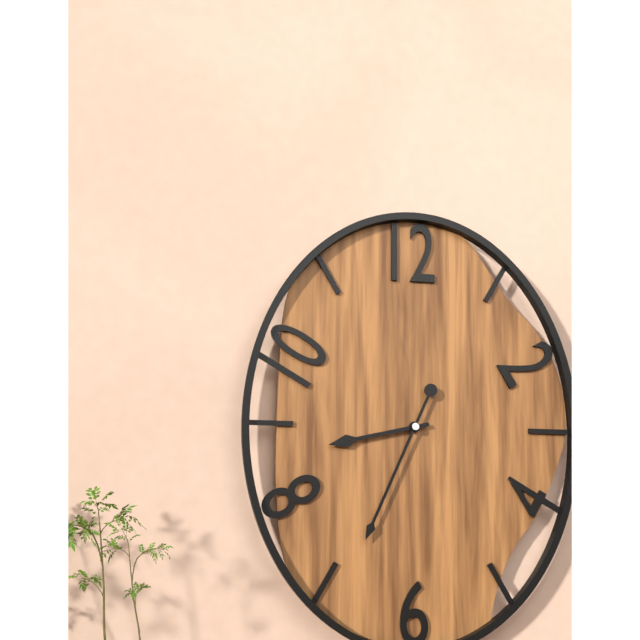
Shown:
**8:34**
